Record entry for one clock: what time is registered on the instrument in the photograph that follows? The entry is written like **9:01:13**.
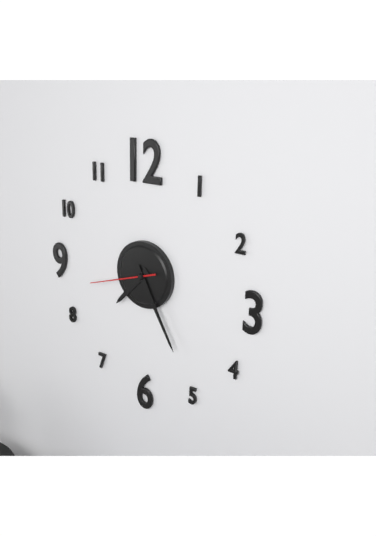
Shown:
**7:25:42**
